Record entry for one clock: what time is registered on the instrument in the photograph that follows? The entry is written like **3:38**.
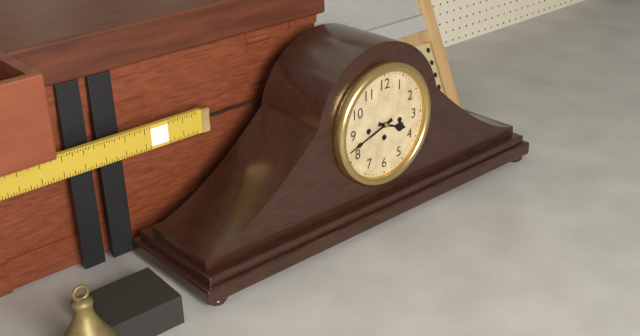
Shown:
**3:42**
